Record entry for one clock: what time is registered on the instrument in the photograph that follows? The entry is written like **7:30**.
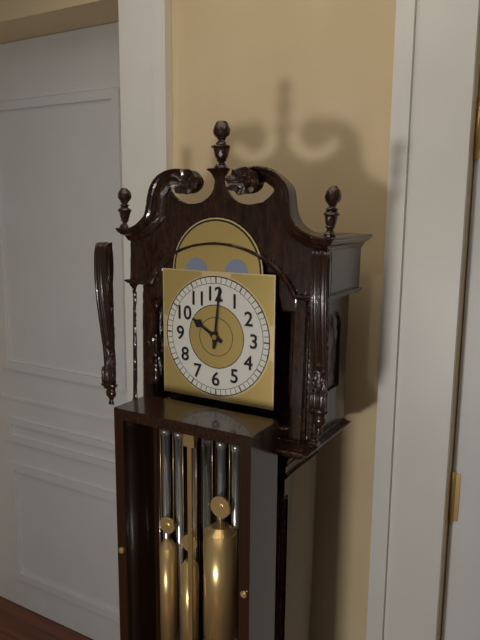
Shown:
**10:01**
